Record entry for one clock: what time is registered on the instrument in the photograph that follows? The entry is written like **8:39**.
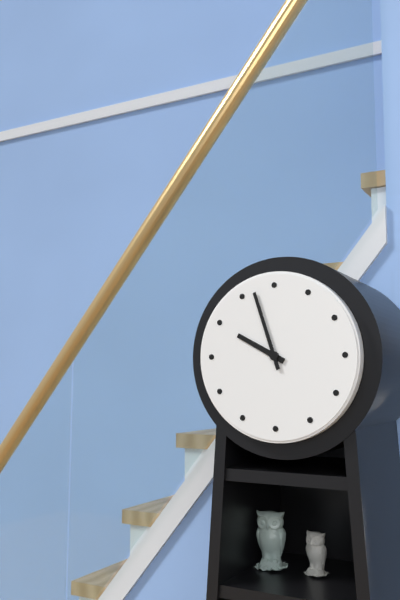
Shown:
**9:57**
